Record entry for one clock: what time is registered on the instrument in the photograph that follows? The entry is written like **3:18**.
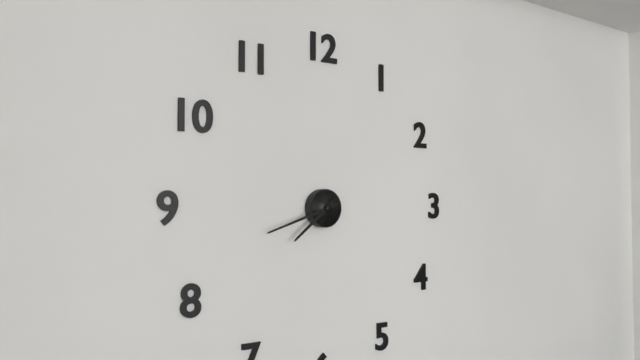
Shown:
**7:42**
